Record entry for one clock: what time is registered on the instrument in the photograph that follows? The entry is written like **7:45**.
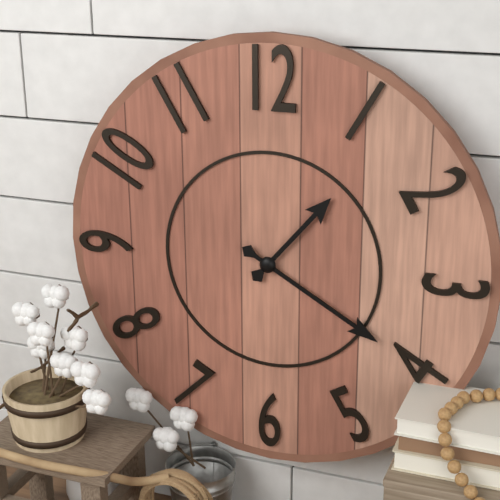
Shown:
**1:20**
